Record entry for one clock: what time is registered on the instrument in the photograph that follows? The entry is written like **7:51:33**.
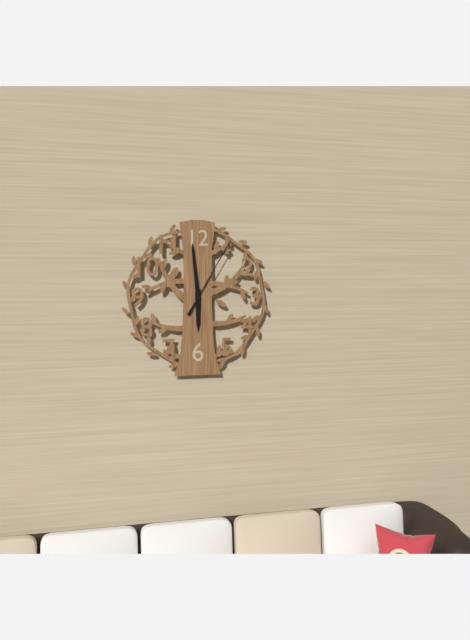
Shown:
**5:59:05**
